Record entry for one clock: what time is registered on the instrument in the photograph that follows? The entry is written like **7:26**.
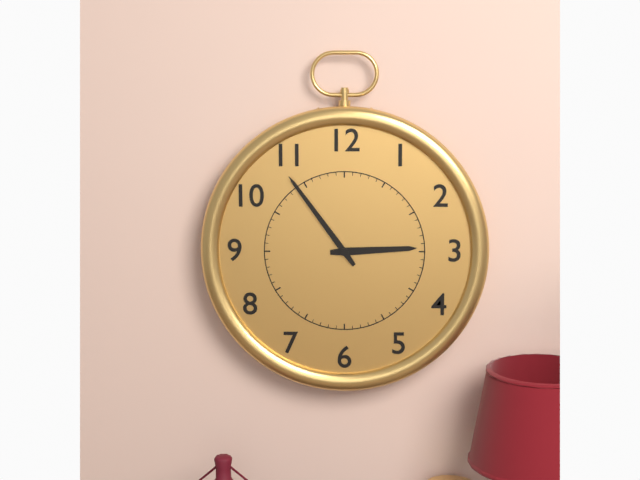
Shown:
**2:54**
